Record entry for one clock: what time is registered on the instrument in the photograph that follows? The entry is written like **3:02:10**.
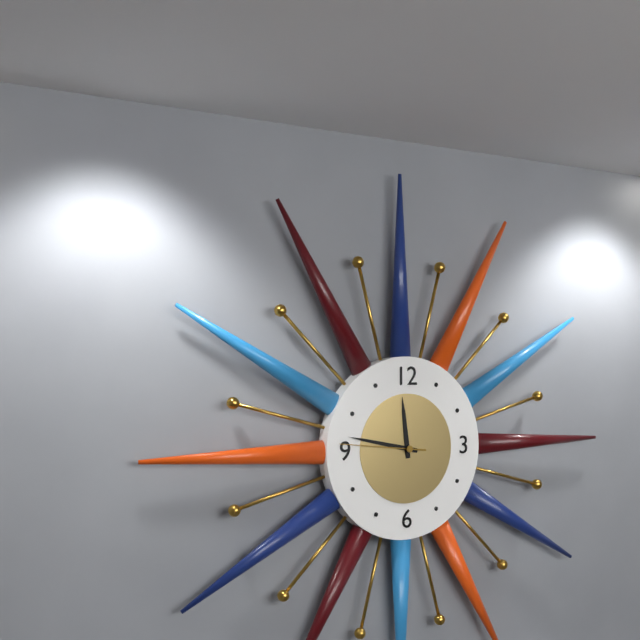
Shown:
**11:47:46**
